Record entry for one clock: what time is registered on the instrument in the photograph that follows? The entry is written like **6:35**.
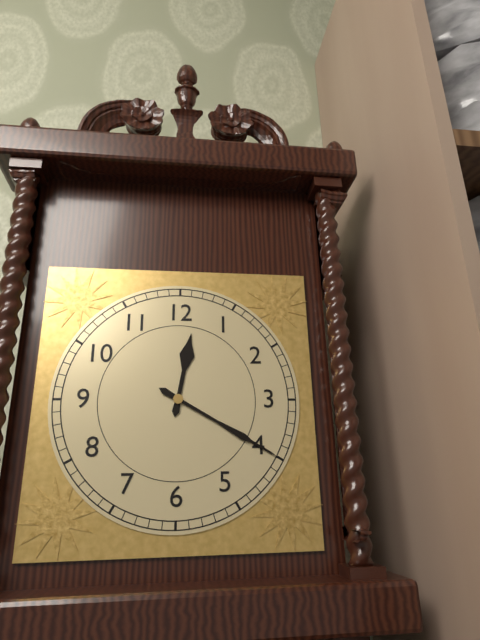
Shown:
**12:20**
